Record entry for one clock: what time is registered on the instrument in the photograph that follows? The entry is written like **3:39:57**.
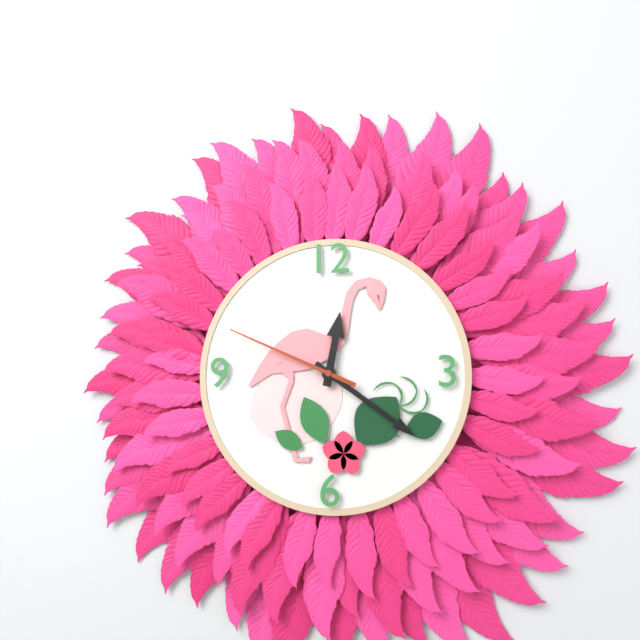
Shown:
**12:21:49**
